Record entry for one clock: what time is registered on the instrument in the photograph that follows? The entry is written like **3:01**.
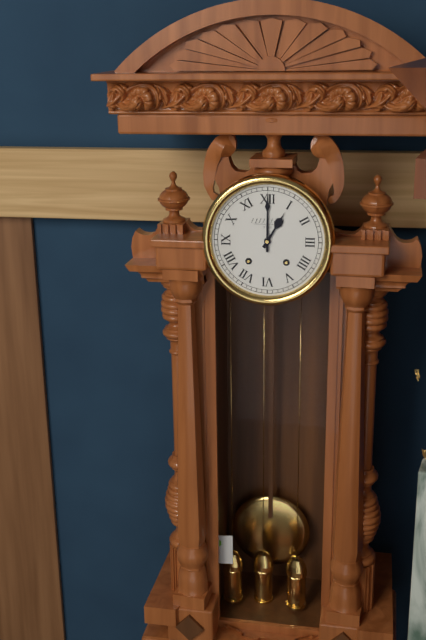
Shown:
**1:00**
